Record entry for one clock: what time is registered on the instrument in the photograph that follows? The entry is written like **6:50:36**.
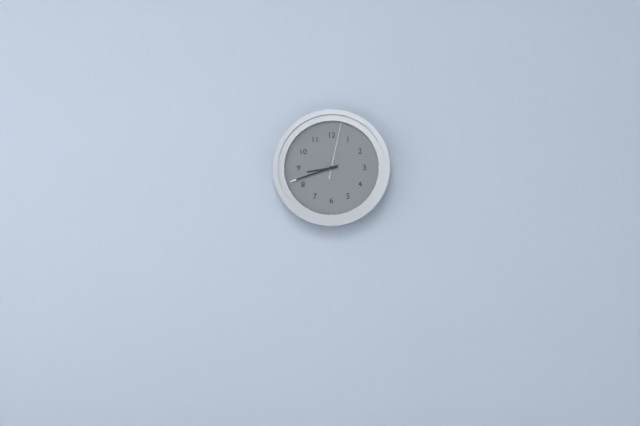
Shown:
**8:42:02**
